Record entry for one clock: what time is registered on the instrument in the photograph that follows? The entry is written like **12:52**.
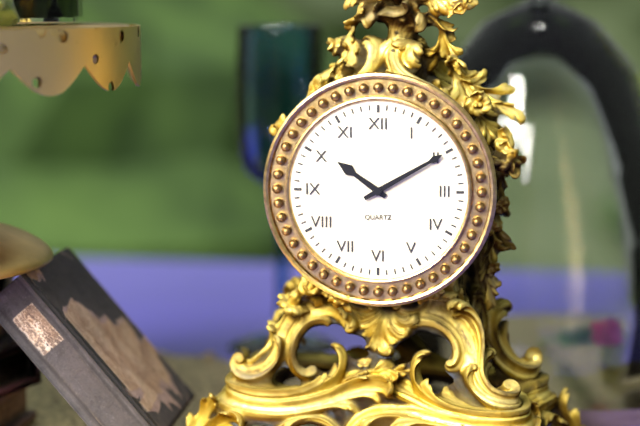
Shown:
**10:10**
